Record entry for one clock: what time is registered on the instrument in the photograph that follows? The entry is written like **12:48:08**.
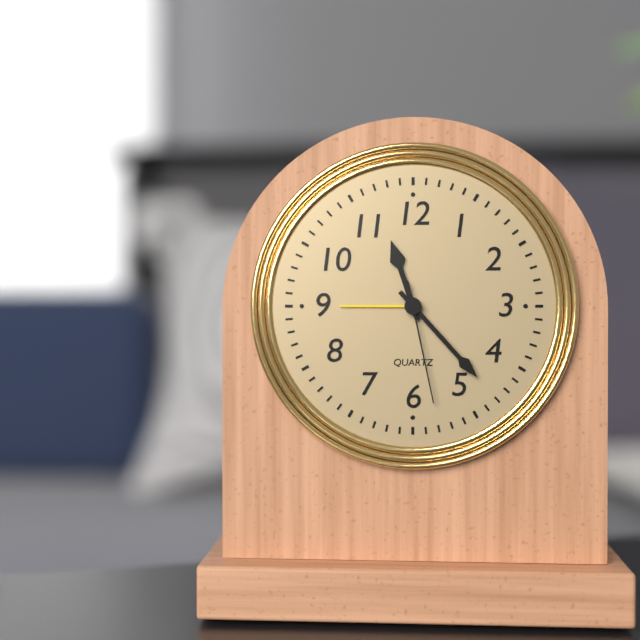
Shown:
**11:23:28**
